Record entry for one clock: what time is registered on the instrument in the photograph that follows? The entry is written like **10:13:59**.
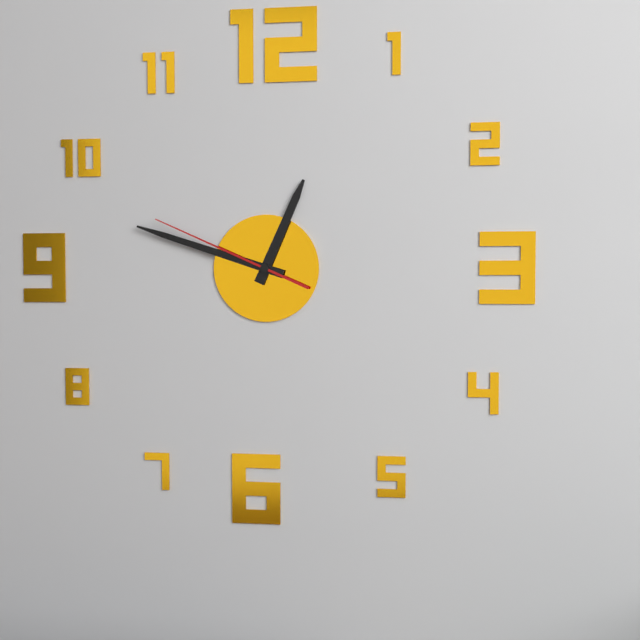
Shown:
**12:48:49**
